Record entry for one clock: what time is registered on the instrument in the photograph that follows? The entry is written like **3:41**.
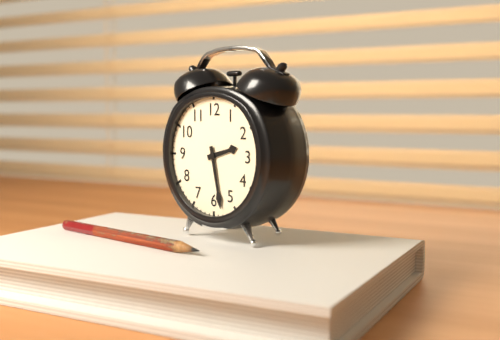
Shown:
**2:28**
